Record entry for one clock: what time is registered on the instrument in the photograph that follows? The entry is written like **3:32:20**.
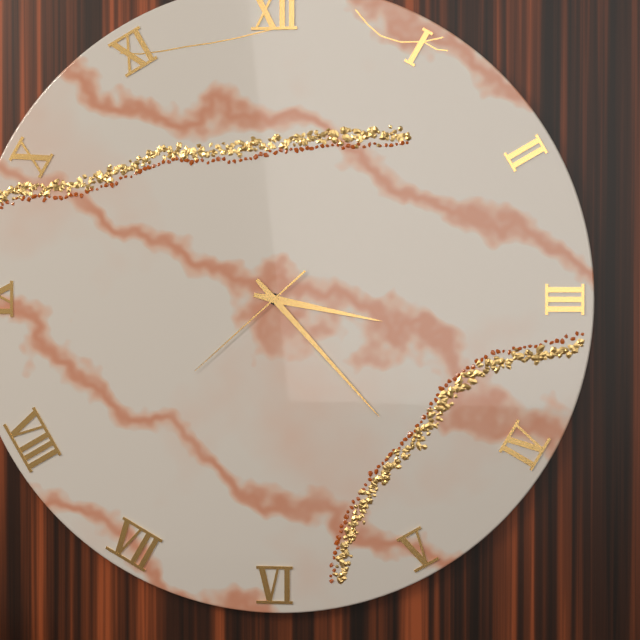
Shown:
**3:23:38**
